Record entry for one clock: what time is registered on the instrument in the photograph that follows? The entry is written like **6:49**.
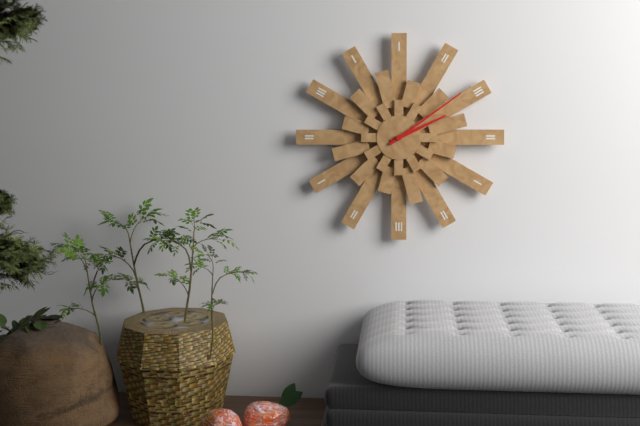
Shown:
**2:09**
